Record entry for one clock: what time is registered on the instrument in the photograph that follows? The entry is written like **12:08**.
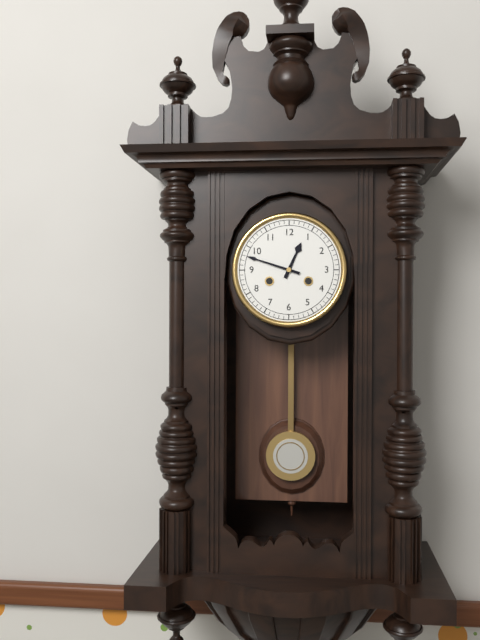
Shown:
**12:48**
